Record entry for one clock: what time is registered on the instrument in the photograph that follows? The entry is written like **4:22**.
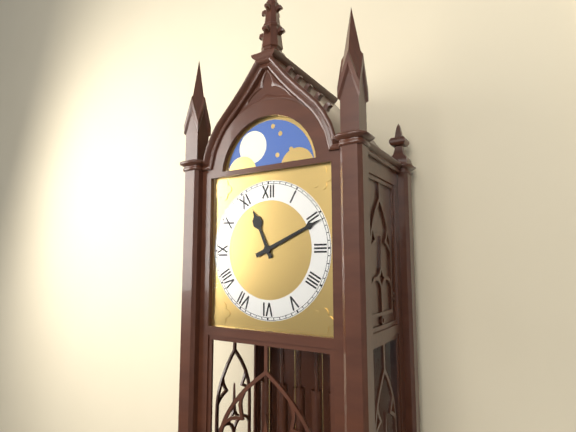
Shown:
**11:11**
